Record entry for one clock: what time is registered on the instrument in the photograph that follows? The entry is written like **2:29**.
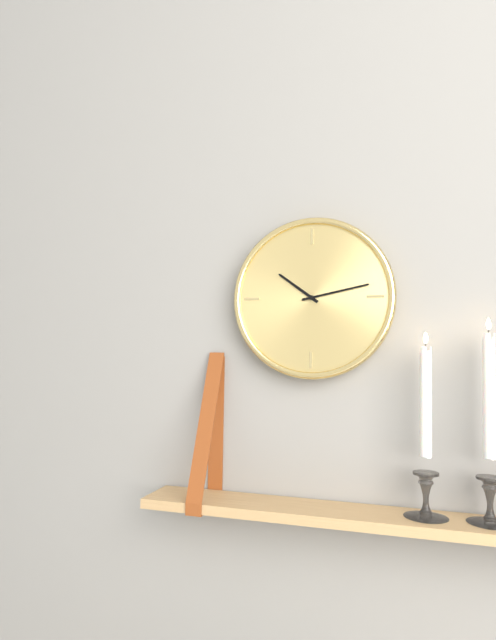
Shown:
**10:13**
